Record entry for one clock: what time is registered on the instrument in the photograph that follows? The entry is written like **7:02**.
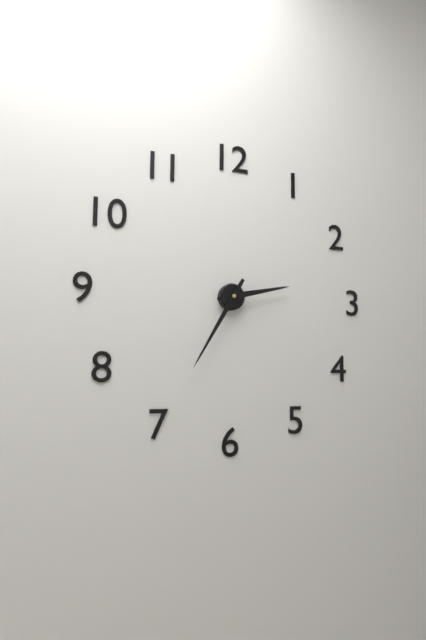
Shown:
**2:35**
